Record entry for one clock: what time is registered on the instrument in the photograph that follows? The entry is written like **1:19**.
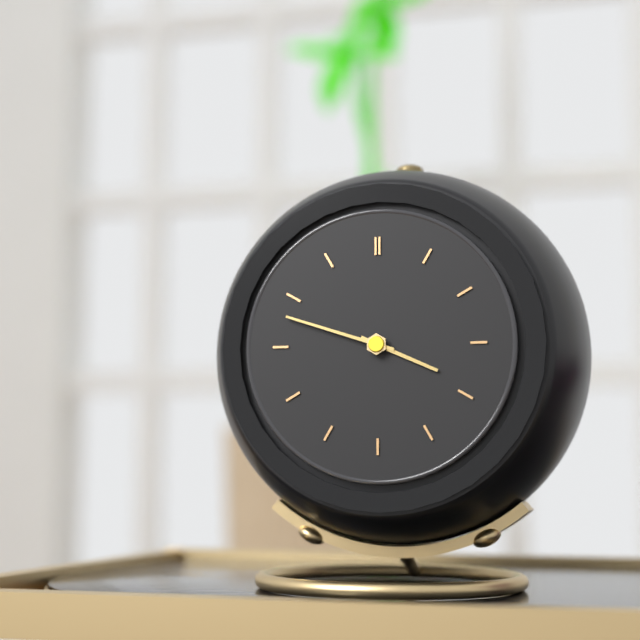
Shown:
**3:48**
